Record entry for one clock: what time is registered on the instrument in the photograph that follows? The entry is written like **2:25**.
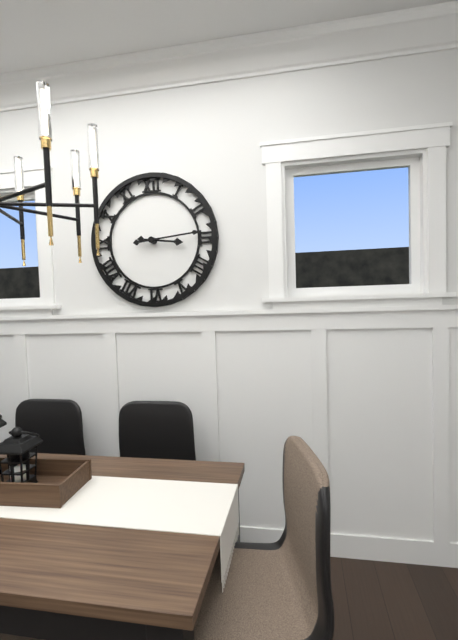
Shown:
**3:14**
